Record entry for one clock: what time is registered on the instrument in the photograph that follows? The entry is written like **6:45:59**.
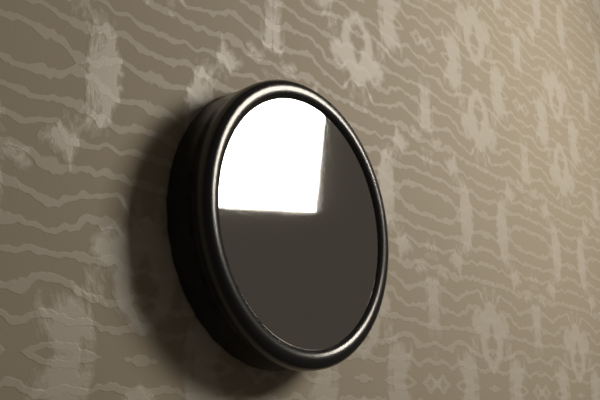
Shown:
**5:56:29**
